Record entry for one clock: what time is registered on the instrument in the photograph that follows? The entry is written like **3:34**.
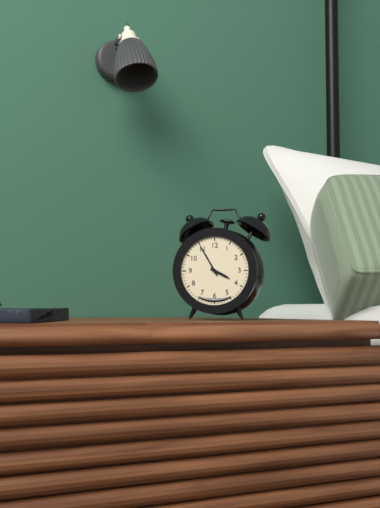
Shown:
**3:55**
